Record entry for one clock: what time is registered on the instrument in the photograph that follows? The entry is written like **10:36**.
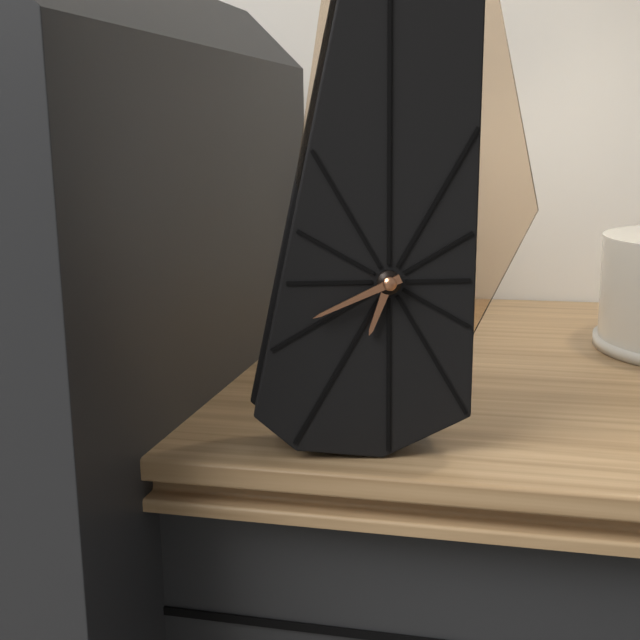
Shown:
**6:41**
